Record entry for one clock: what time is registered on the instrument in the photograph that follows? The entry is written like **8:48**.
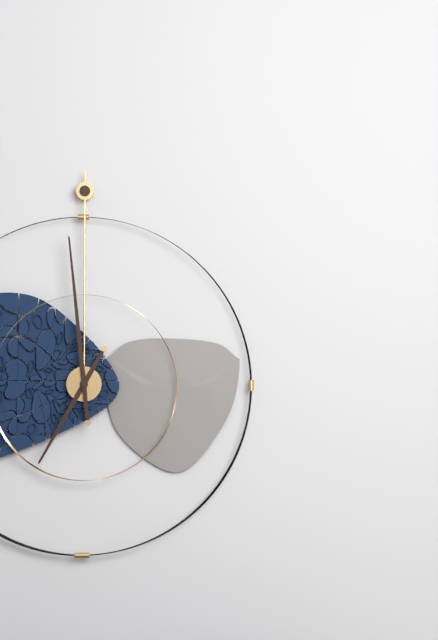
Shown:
**6:59**
